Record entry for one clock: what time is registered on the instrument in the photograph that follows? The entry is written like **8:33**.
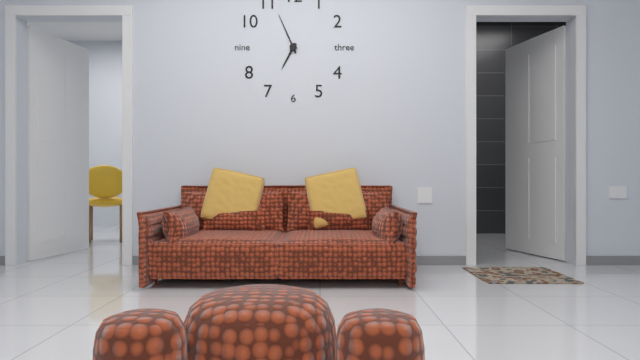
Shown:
**6:56**
